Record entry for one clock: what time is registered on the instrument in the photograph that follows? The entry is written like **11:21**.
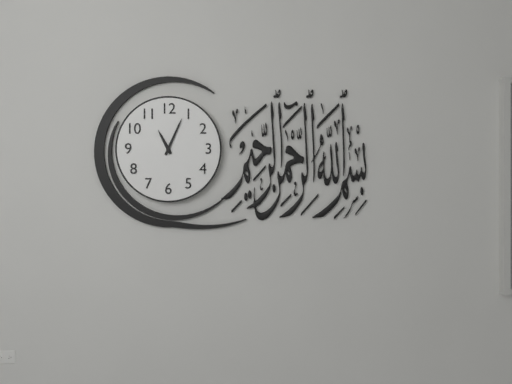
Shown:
**11:04**
